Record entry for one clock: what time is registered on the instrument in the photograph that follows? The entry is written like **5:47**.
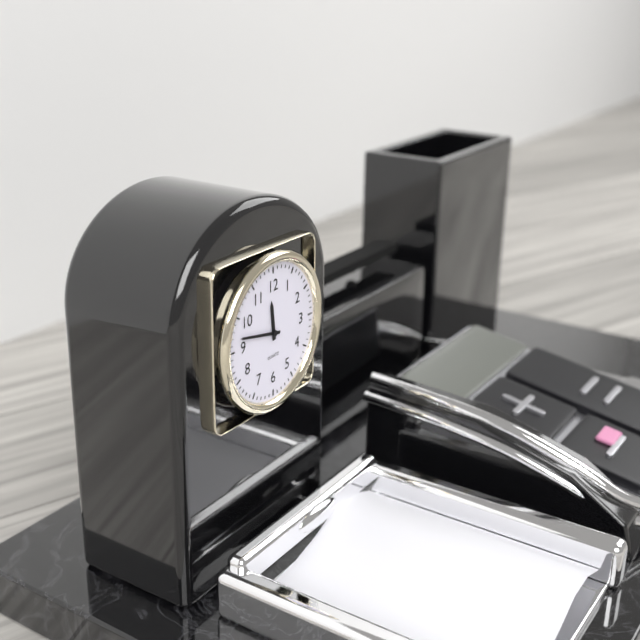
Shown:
**11:47**
